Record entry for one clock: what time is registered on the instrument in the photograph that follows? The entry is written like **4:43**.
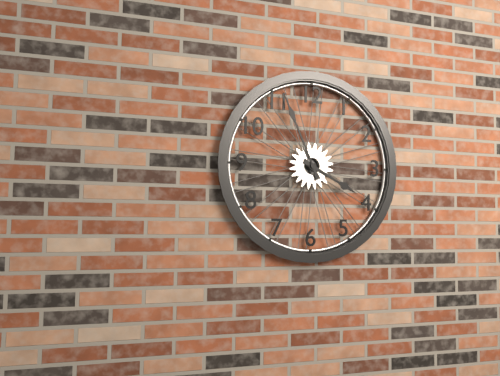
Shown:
**3:56**
